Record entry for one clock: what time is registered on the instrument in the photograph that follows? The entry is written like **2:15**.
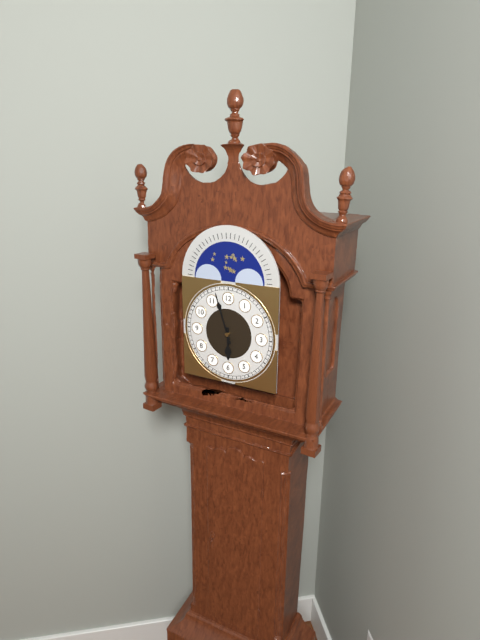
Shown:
**5:57**
